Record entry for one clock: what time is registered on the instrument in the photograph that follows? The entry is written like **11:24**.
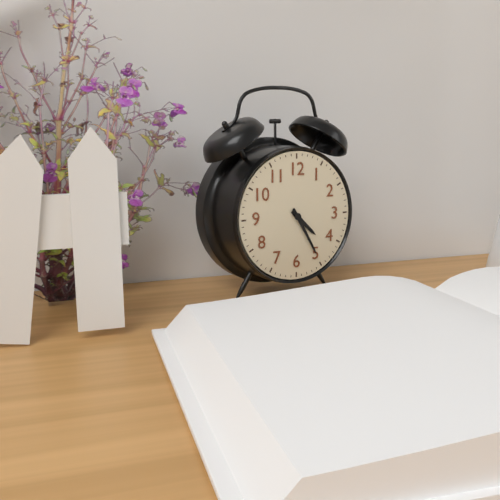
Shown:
**4:25**
